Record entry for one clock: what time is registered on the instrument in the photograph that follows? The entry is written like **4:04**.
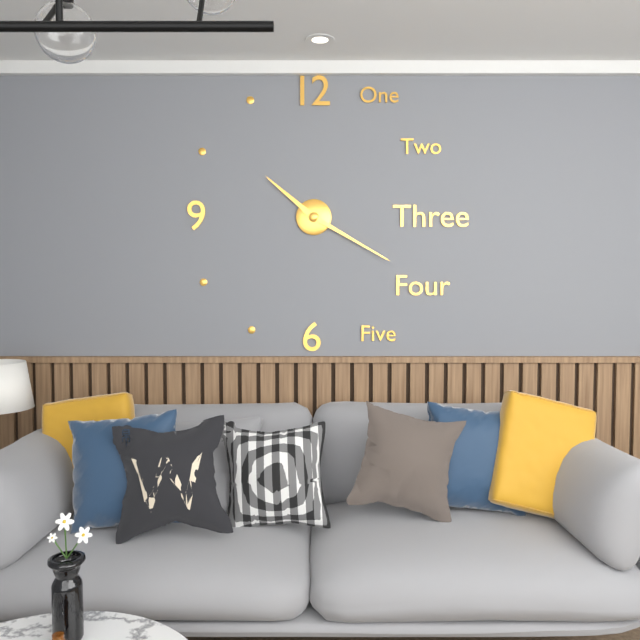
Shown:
**10:20**
